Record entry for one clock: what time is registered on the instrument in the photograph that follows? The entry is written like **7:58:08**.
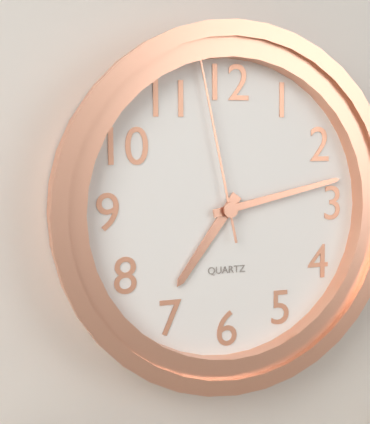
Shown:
**7:13:58**
